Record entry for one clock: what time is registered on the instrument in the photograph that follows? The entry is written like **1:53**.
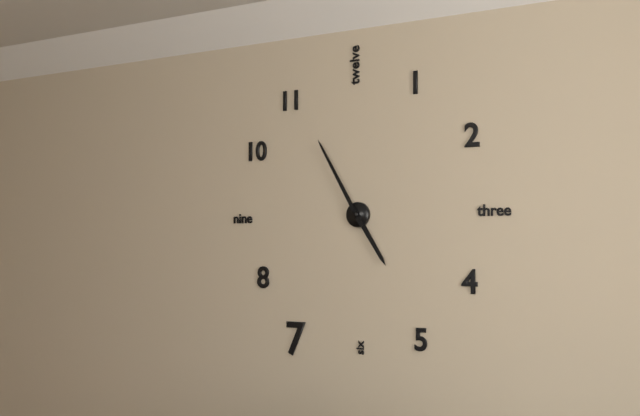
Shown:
**4:55**
